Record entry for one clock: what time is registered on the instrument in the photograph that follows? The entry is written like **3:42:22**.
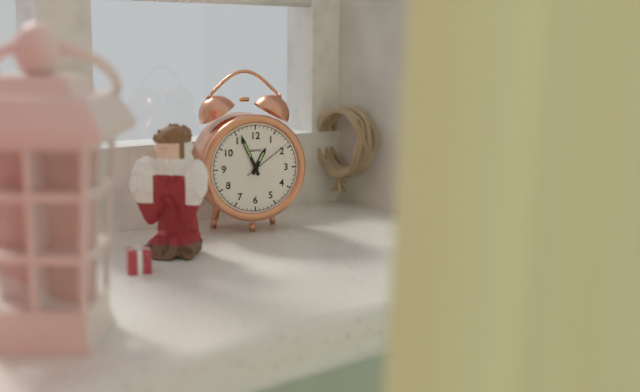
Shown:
**12:56:09**
